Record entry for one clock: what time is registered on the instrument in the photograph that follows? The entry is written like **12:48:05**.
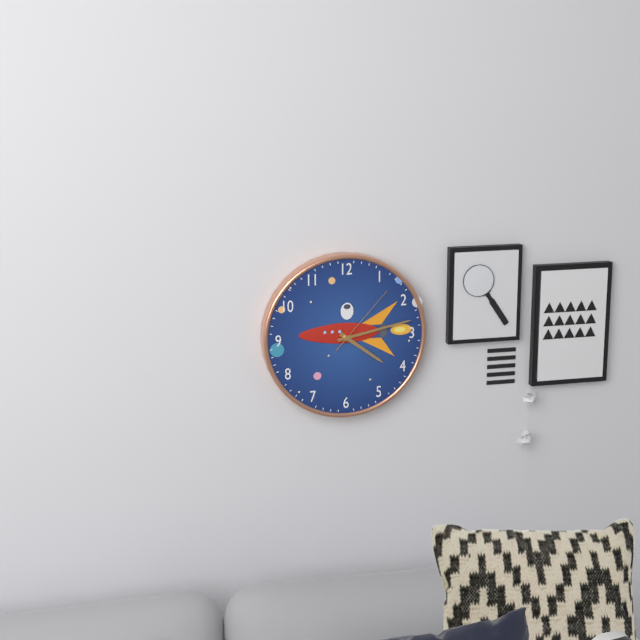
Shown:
**4:13:07**
